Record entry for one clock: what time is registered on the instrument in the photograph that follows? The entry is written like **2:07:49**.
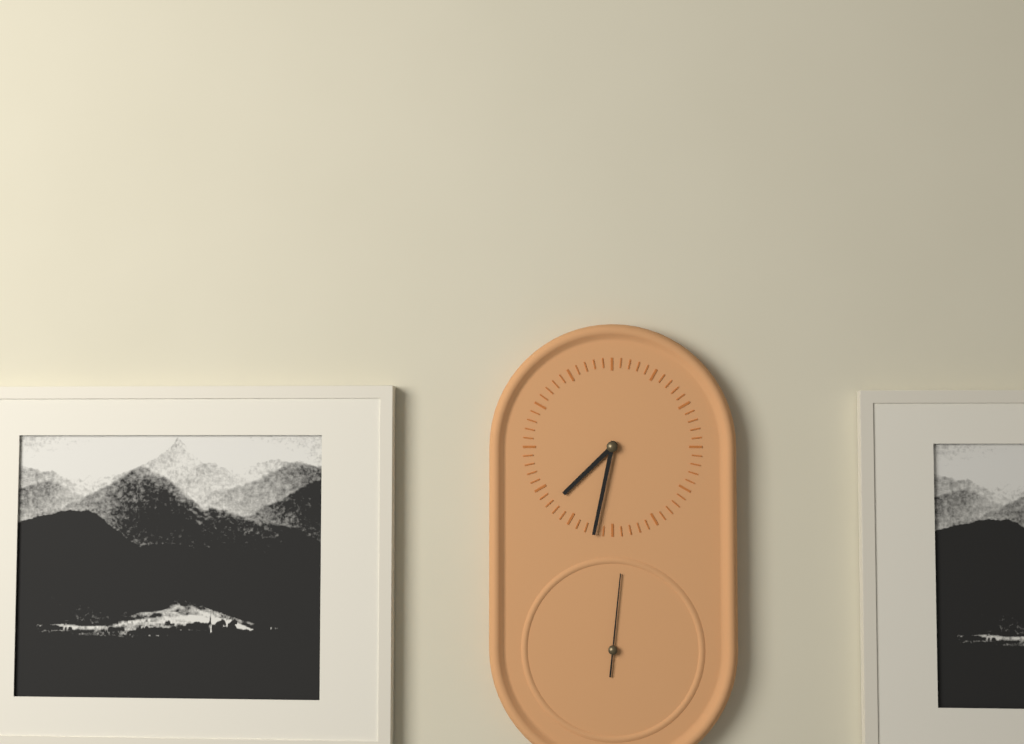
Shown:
**7:32:01**
